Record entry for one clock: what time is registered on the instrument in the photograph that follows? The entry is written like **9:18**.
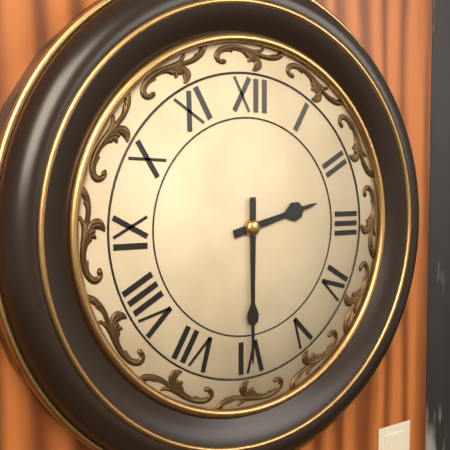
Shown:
**2:30**
